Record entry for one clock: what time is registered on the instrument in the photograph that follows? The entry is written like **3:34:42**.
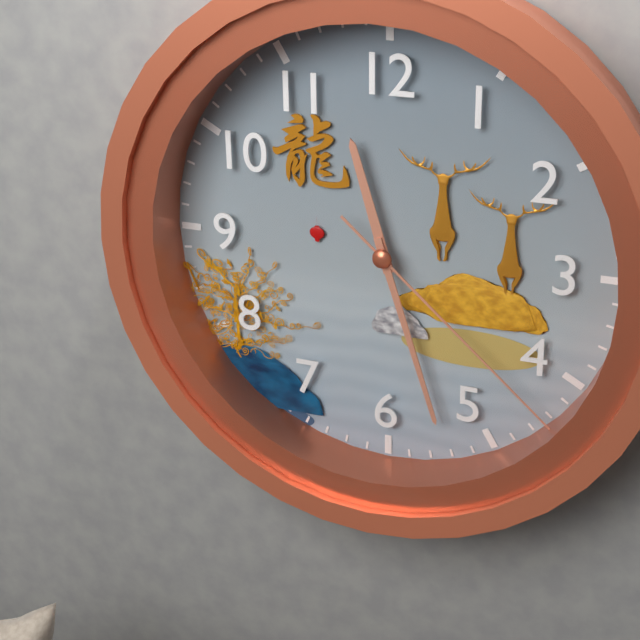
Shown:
**11:27:22**
